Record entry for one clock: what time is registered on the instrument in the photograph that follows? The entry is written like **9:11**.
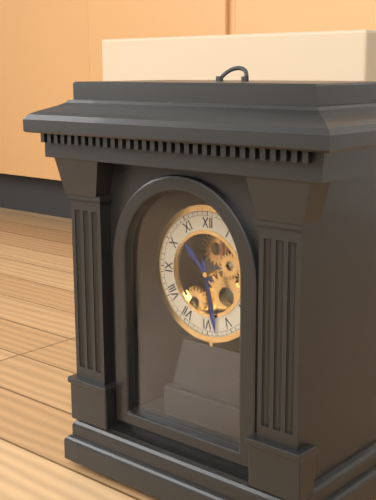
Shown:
**10:28**
